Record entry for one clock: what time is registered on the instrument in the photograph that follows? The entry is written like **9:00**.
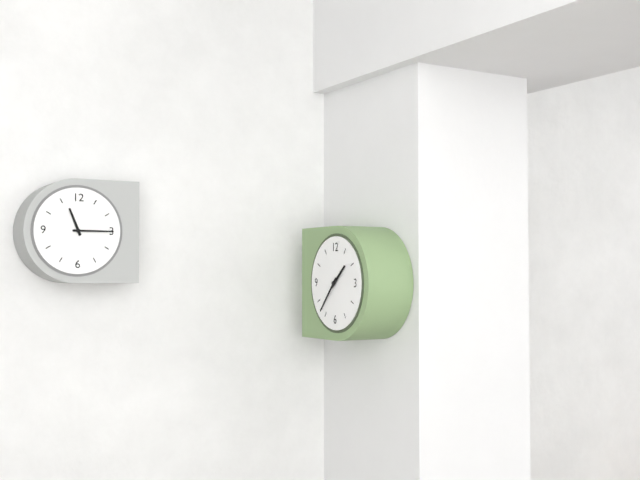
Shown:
**1:37**
